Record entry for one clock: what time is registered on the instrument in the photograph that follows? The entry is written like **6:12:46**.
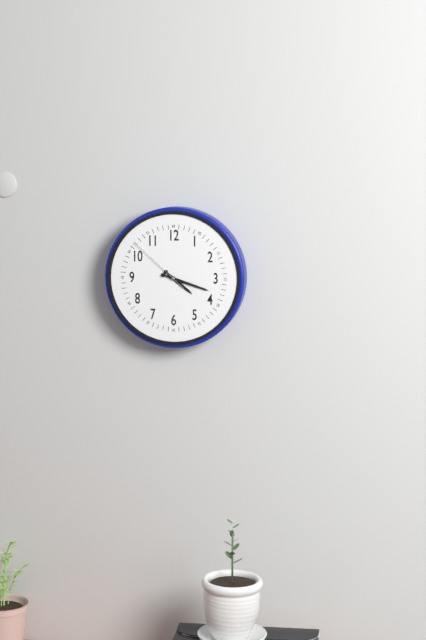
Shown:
**4:18:52**
